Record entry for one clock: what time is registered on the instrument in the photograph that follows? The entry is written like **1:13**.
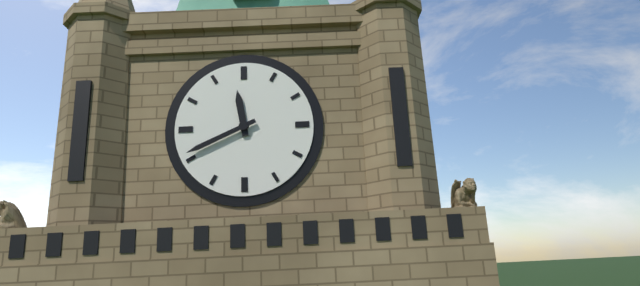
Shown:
**11:41**
